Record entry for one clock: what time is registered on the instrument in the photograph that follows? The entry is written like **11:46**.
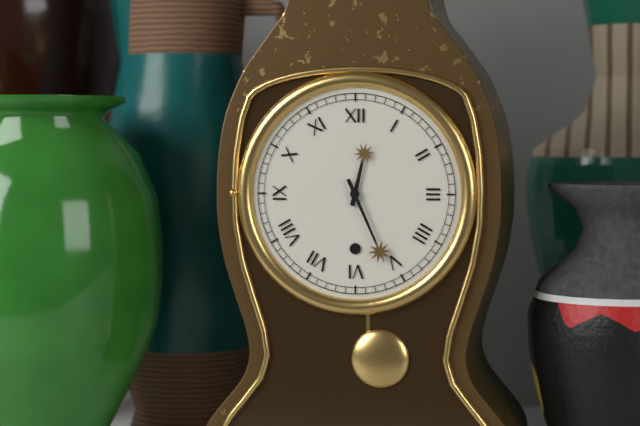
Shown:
**12:26**
